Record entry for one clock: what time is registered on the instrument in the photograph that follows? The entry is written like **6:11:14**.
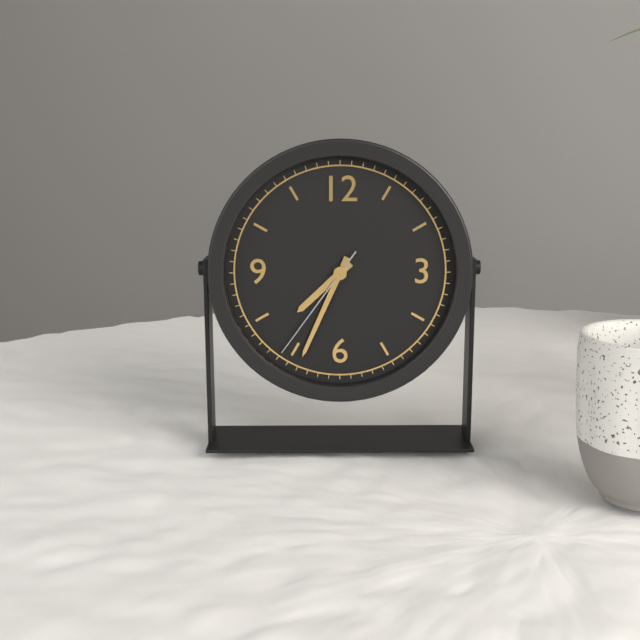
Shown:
**7:34:36**
